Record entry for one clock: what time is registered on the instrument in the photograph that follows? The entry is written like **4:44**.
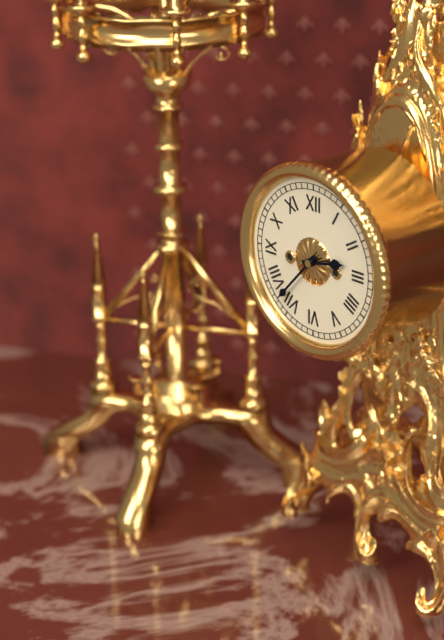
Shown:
**2:37**
